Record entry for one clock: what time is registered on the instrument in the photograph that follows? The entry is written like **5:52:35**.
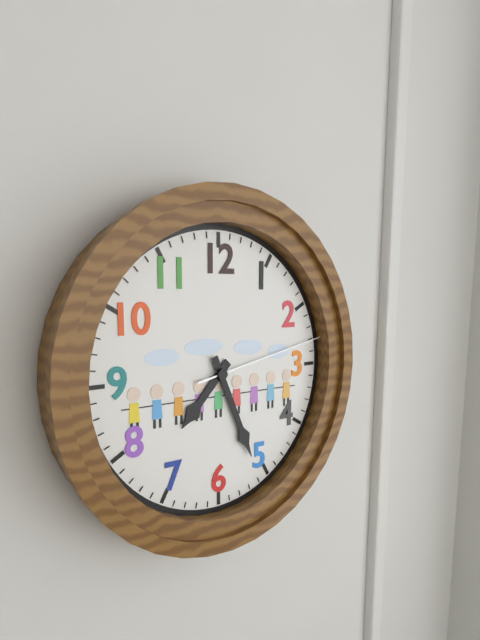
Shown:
**7:26:13**
